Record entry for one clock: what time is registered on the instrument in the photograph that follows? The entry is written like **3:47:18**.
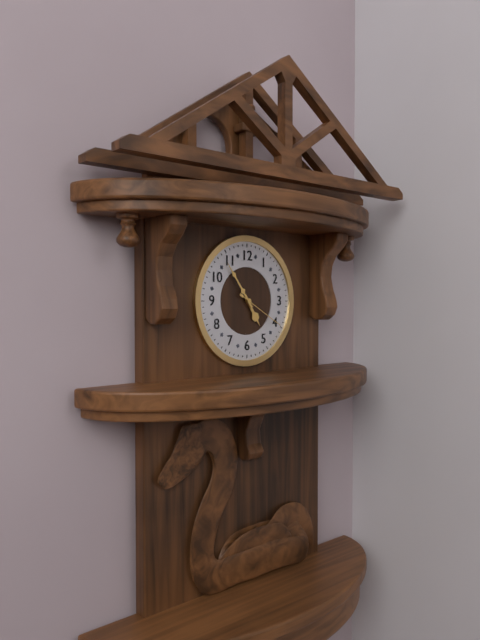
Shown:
**4:54:20**
